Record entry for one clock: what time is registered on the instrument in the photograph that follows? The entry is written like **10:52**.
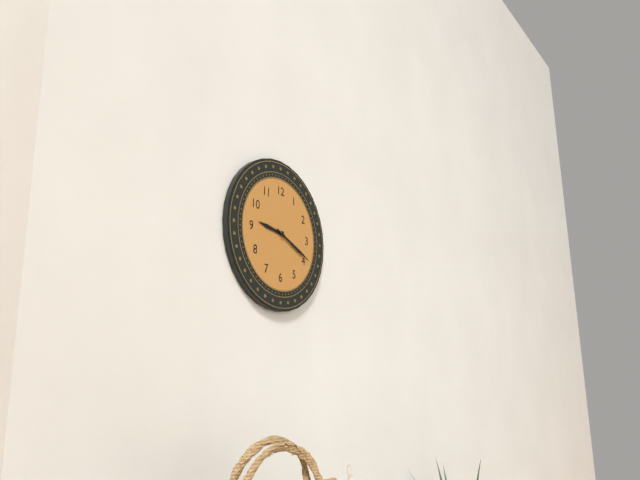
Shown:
**9:19**
